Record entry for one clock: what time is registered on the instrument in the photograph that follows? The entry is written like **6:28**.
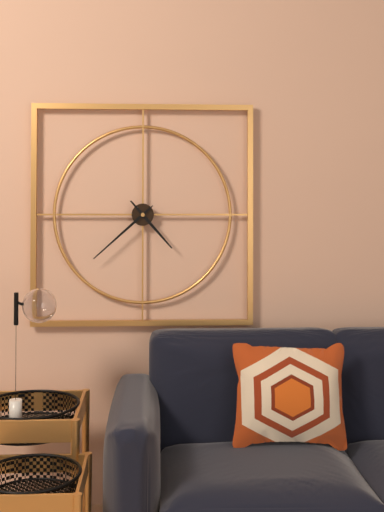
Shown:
**4:38**
